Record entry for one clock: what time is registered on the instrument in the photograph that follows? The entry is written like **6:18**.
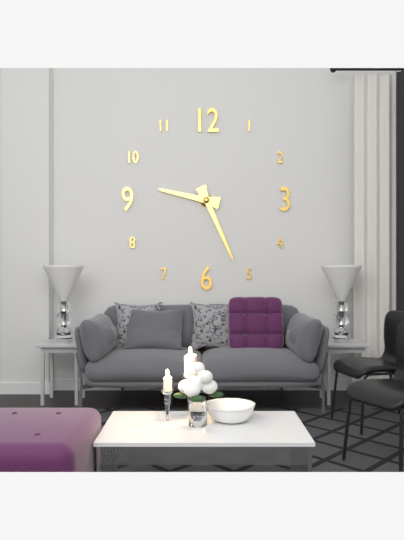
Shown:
**9:26**
